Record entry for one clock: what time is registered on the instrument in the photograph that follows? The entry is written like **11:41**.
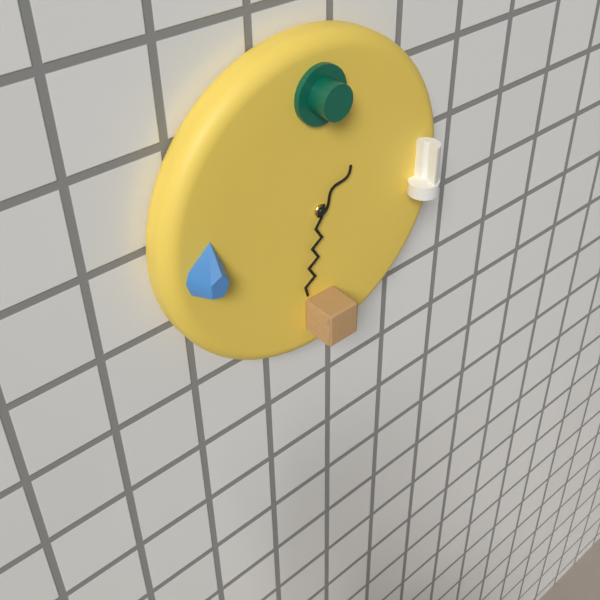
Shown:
**1:32**
